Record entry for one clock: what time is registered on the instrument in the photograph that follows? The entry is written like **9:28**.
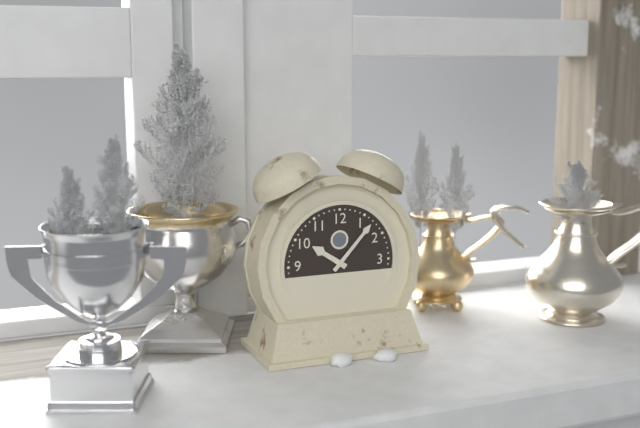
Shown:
**10:07**
